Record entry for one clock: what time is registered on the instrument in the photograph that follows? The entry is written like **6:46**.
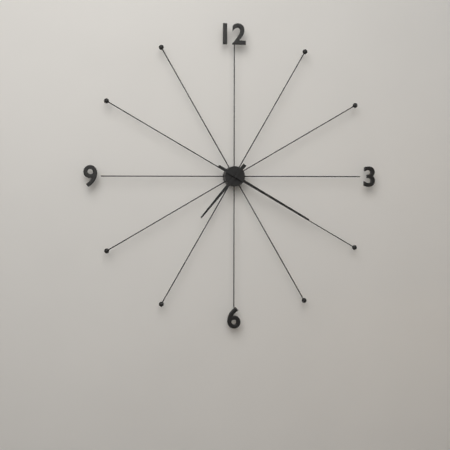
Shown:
**7:20**
